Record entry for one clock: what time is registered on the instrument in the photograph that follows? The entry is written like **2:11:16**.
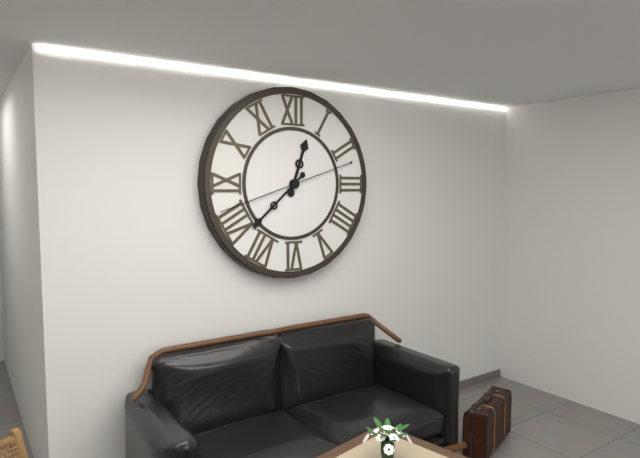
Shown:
**12:38:42**
